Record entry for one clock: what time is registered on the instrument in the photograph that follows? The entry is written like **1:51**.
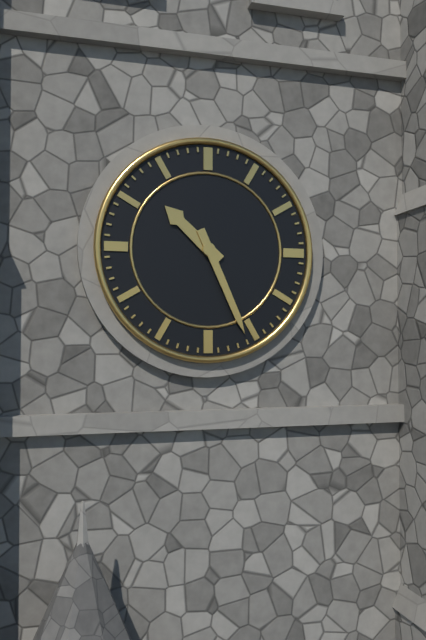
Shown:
**10:26**
